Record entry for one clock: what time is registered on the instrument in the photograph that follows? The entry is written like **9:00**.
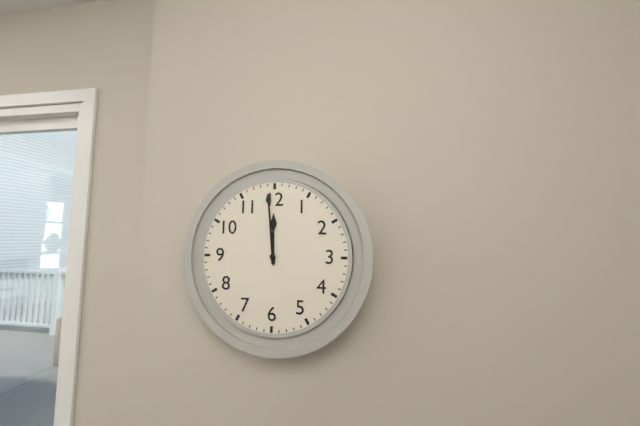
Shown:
**11:59**
